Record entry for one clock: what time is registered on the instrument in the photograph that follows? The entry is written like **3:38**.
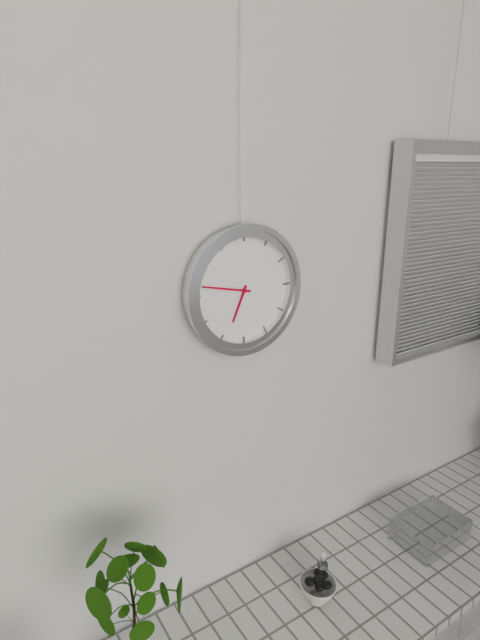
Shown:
**6:47**
